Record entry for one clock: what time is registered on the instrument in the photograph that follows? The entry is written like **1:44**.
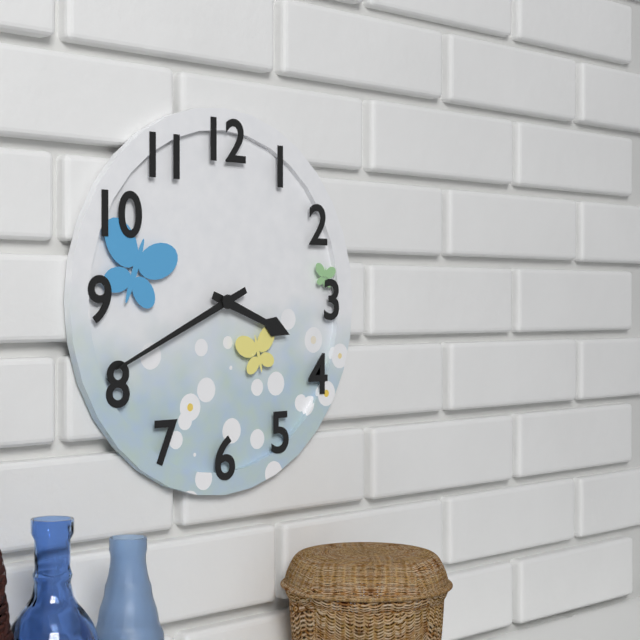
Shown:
**3:41**
